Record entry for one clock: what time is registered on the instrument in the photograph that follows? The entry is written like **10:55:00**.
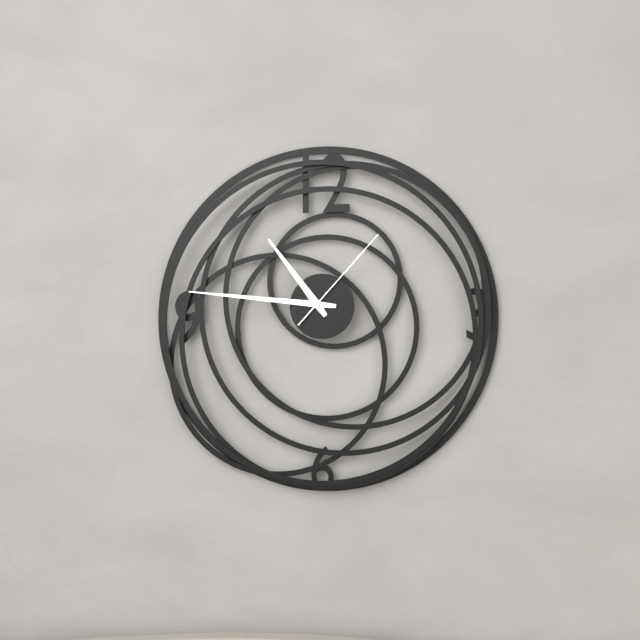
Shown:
**10:46:07**
